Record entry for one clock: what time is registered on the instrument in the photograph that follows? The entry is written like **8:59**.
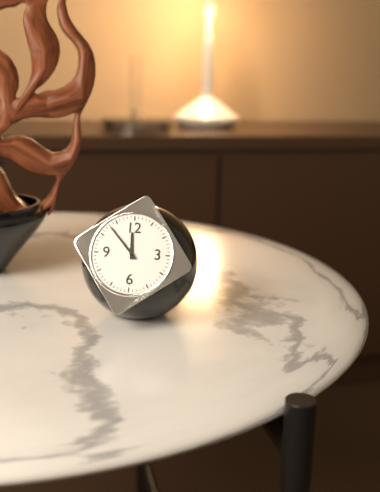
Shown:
**11:53**
